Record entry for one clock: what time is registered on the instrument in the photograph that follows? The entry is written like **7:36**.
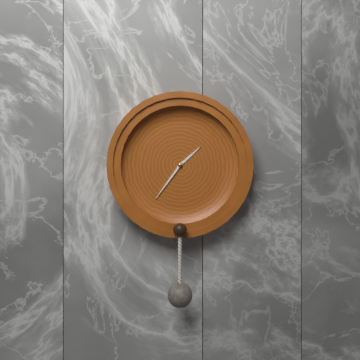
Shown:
**1:36**
